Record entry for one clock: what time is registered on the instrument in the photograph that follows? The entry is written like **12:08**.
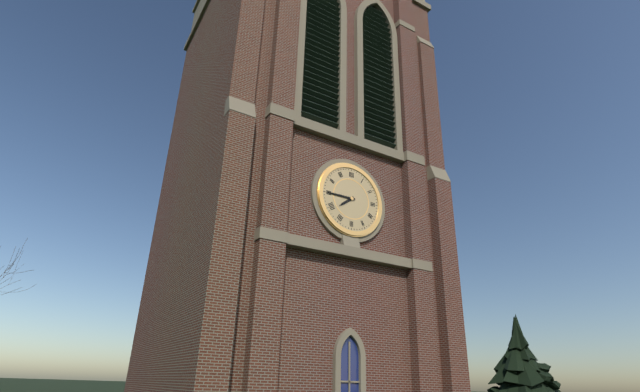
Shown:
**7:45**
